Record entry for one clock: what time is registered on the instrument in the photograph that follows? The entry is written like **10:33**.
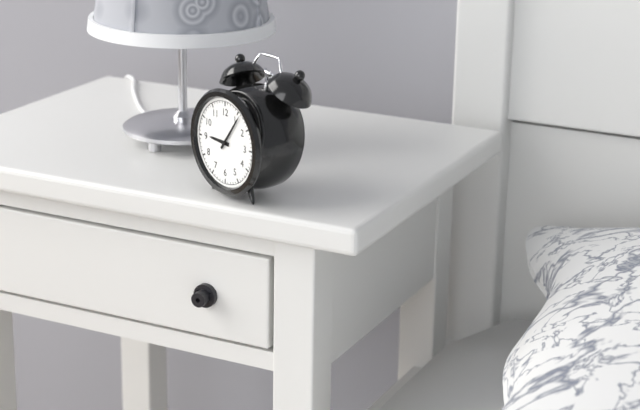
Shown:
**9:06**
